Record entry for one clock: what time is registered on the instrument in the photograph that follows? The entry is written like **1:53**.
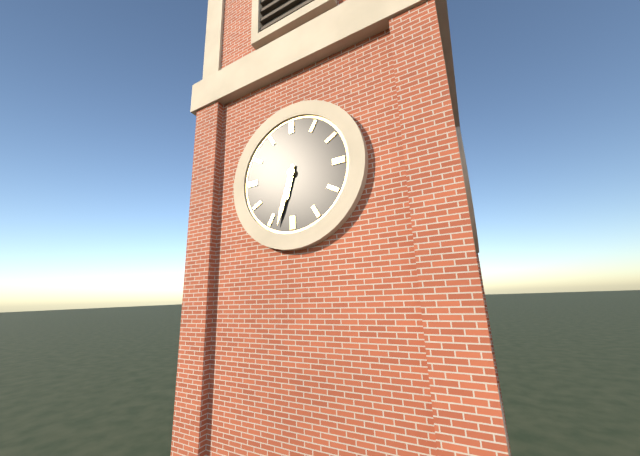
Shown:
**6:33**
